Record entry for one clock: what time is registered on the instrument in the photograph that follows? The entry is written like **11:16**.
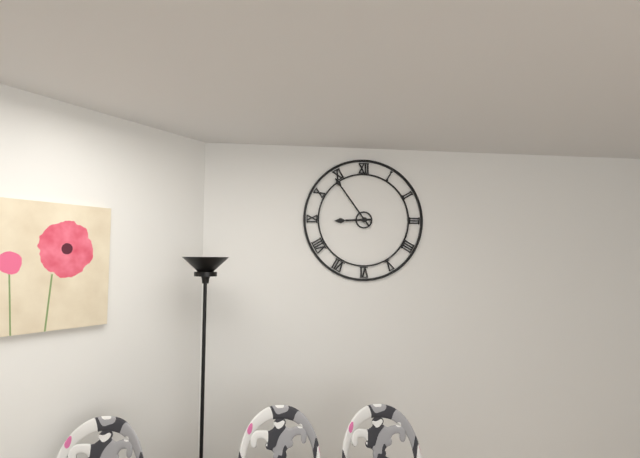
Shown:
**8:54**
